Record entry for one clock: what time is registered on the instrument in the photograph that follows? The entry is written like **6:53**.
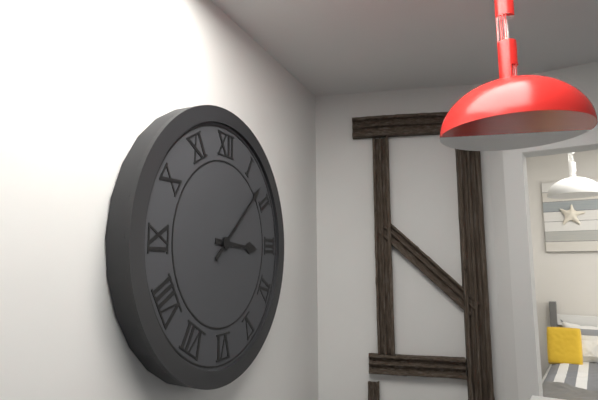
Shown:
**3:08**
